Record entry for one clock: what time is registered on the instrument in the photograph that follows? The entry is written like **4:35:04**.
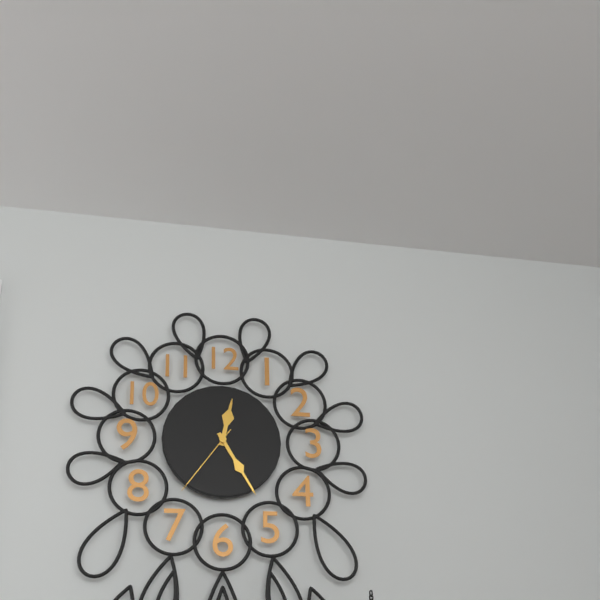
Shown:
**12:25:36**
